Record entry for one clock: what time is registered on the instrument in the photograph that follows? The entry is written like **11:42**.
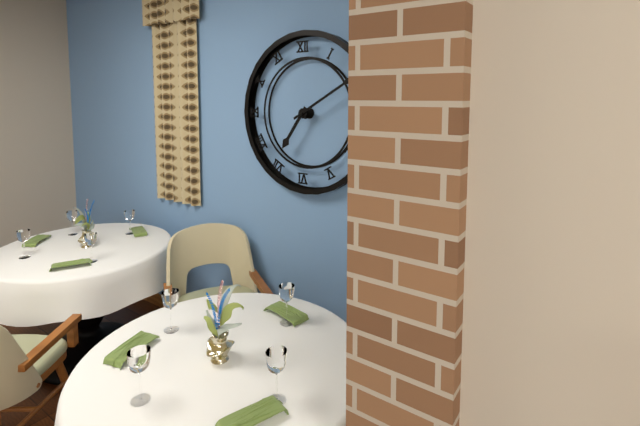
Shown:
**7:10**
